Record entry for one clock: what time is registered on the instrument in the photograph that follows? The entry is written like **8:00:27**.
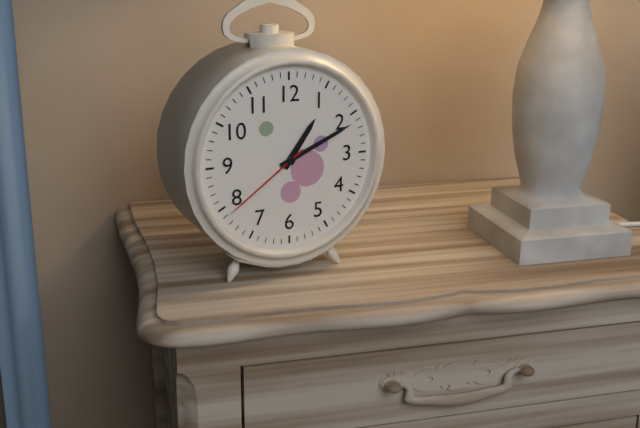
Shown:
**1:11:39**
